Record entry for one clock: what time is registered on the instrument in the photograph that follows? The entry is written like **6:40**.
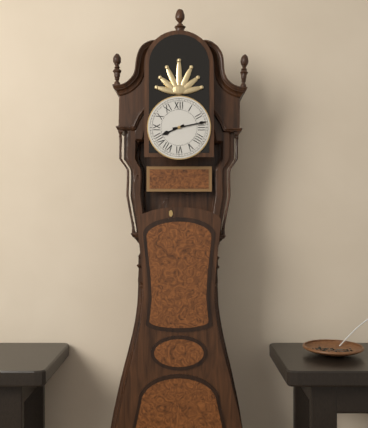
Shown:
**8:13**
